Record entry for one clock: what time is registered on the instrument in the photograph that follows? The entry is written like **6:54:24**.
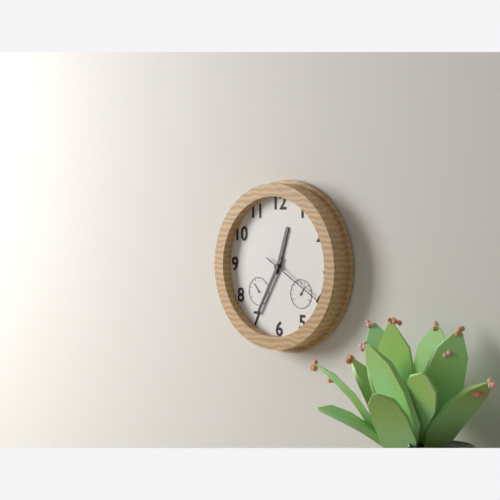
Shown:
**12:35:20**
